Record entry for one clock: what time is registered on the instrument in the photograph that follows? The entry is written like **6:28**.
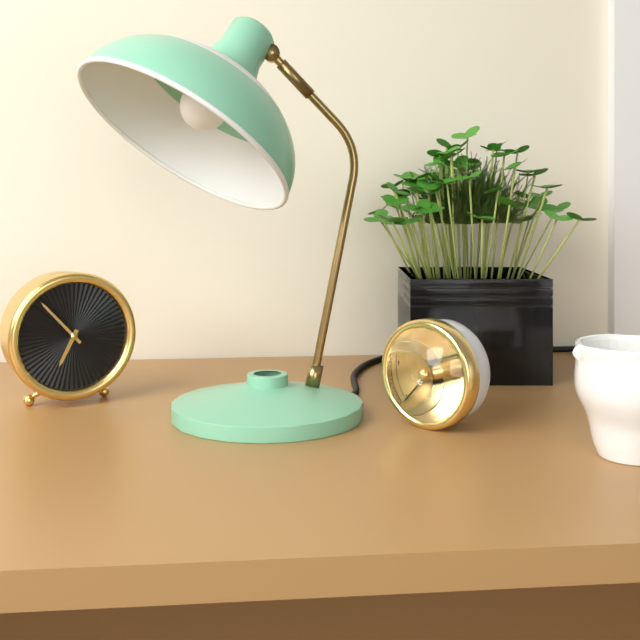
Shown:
**6:53**
